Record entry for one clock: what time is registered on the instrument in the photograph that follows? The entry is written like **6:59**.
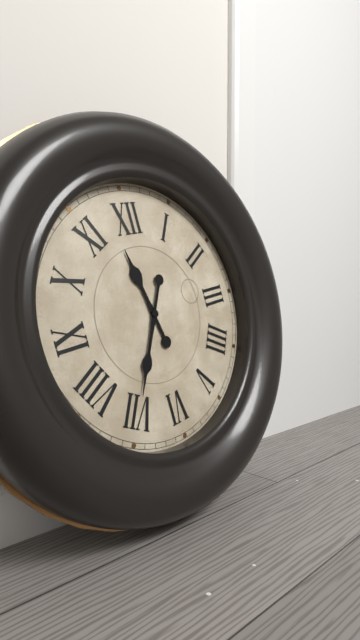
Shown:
**11:35**
